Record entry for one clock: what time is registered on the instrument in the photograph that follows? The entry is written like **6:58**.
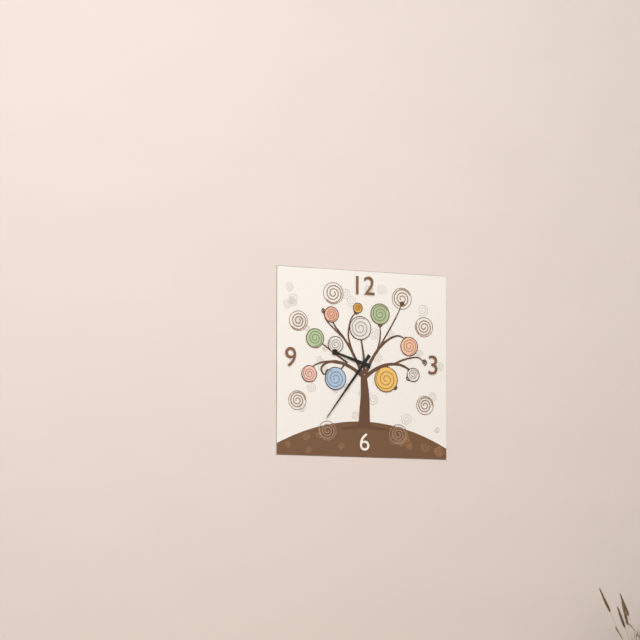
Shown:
**9:36**
